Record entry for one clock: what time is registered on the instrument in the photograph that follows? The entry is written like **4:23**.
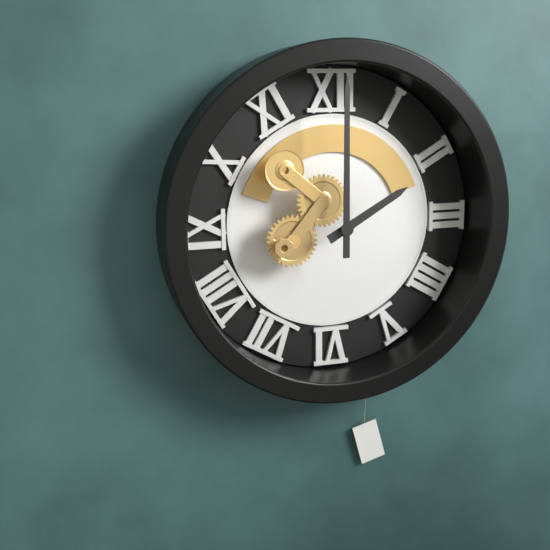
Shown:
**2:00**
